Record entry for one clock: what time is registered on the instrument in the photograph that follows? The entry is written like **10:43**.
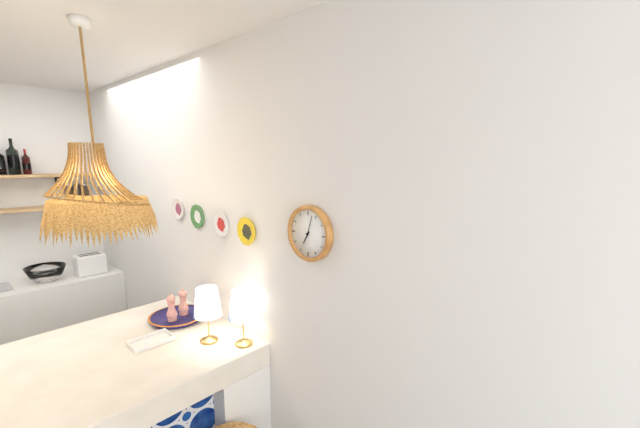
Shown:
**7:03**
